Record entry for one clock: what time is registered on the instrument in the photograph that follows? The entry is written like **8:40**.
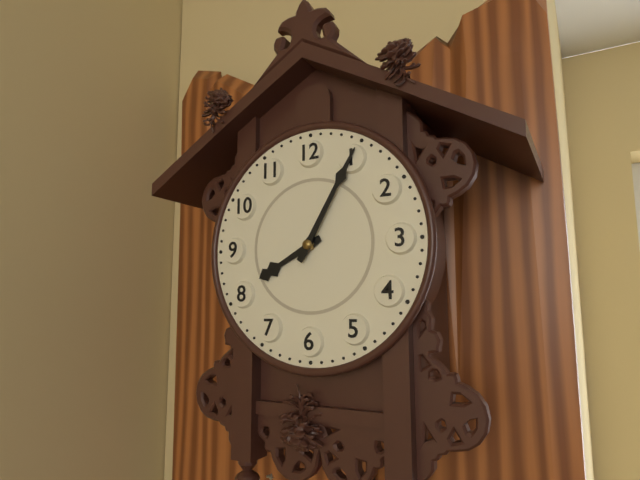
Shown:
**8:05**
